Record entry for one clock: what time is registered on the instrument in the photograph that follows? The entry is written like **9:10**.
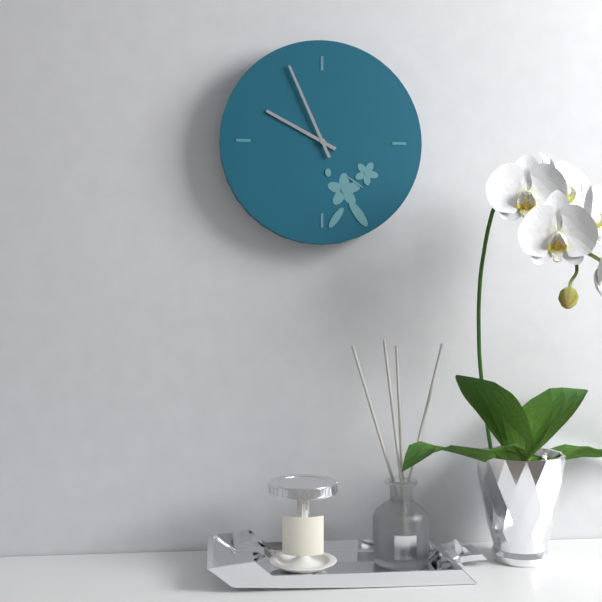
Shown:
**9:56**
